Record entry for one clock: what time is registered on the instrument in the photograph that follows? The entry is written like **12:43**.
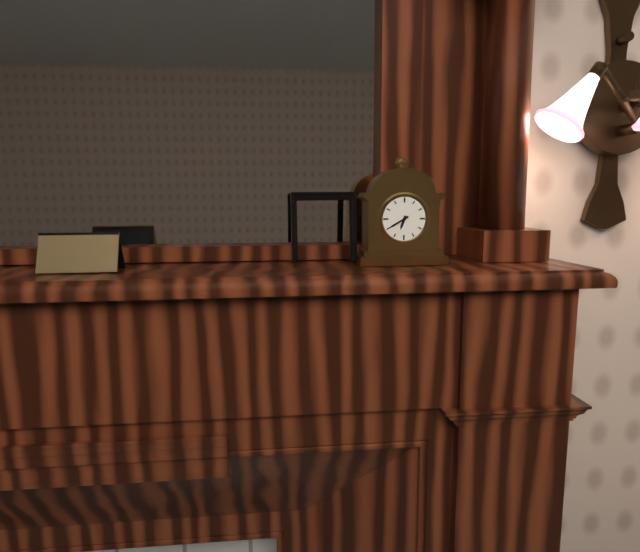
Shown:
**6:40**
